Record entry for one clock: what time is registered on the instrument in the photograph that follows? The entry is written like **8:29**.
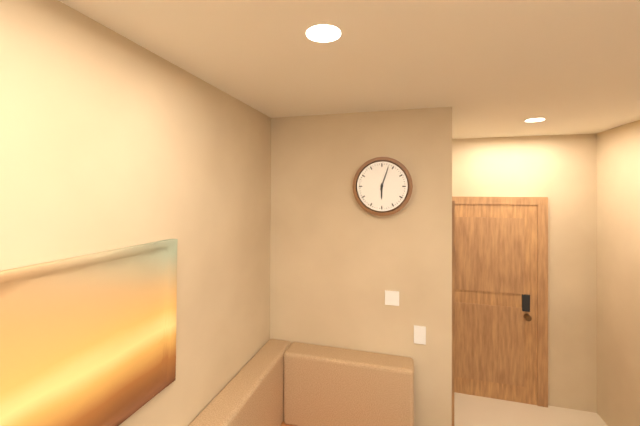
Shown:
**6:03**
